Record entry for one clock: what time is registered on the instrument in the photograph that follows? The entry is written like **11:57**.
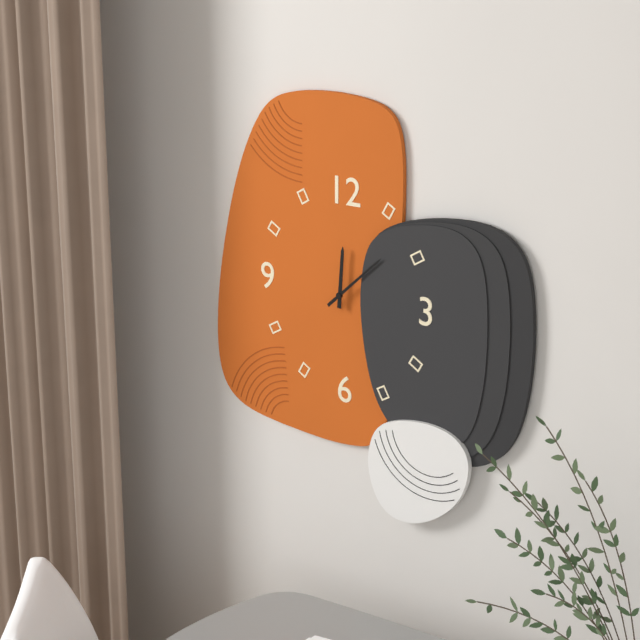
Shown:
**12:08**
